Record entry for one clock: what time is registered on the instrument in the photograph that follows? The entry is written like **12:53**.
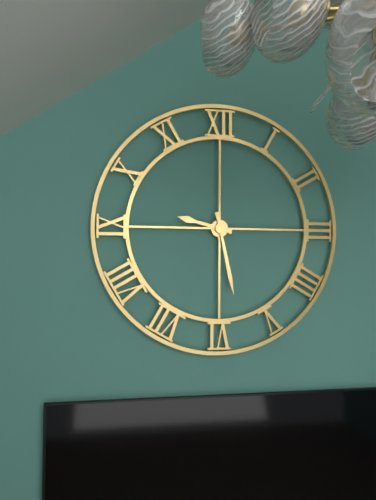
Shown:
**9:28**
